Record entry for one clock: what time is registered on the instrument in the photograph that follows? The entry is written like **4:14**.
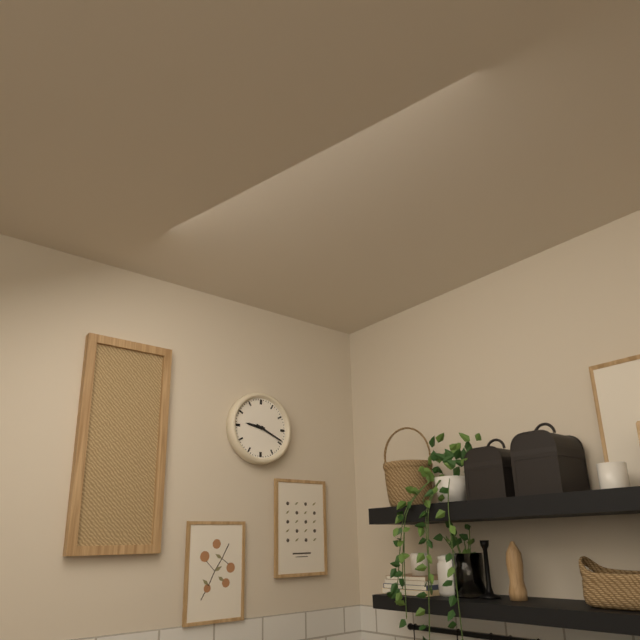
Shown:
**9:19**
